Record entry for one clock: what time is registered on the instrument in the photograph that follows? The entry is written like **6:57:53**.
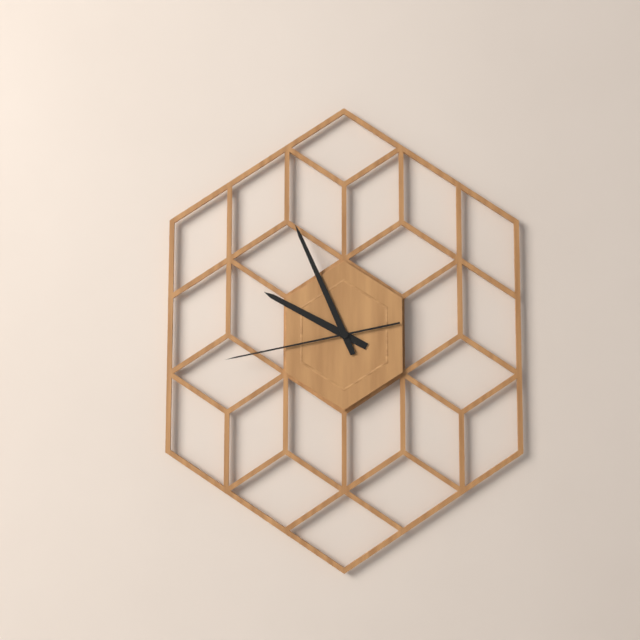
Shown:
**9:56:43**
